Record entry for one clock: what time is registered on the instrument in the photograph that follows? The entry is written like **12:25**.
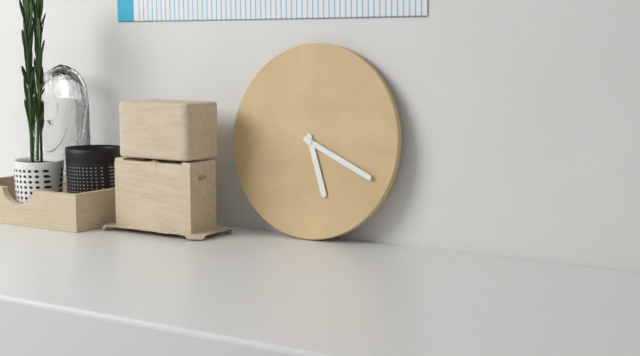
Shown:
**5:19**
